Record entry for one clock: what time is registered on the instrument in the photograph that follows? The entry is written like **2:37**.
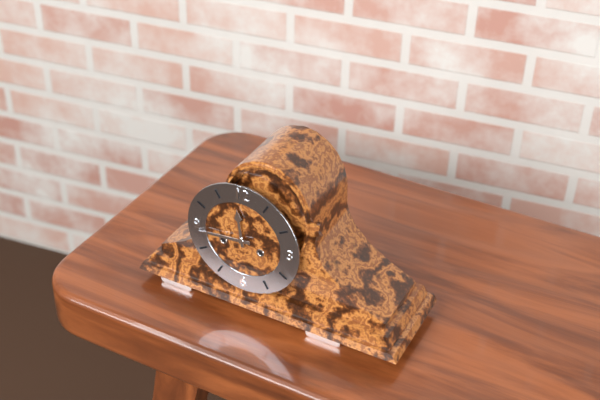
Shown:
**11:44**
